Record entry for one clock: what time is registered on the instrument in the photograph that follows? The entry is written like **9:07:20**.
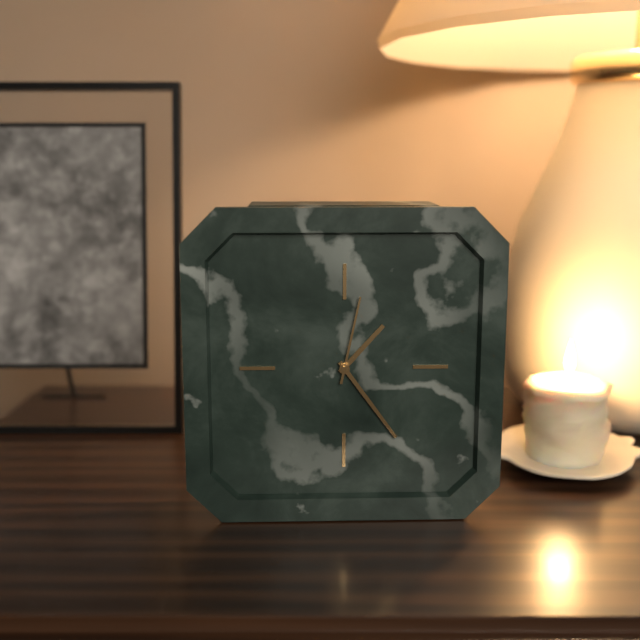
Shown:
**1:24:02**
